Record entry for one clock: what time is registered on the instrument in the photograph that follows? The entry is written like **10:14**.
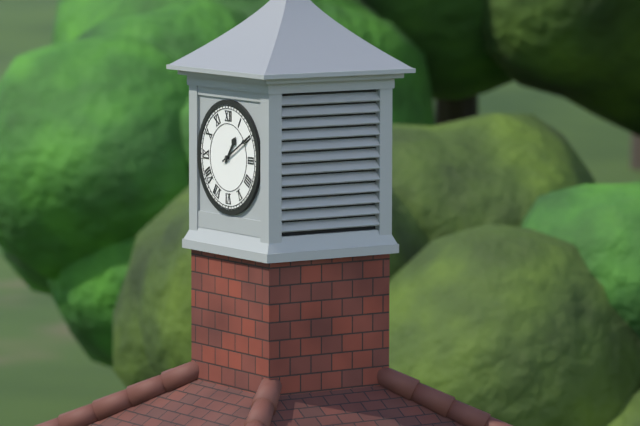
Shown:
**1:10**
